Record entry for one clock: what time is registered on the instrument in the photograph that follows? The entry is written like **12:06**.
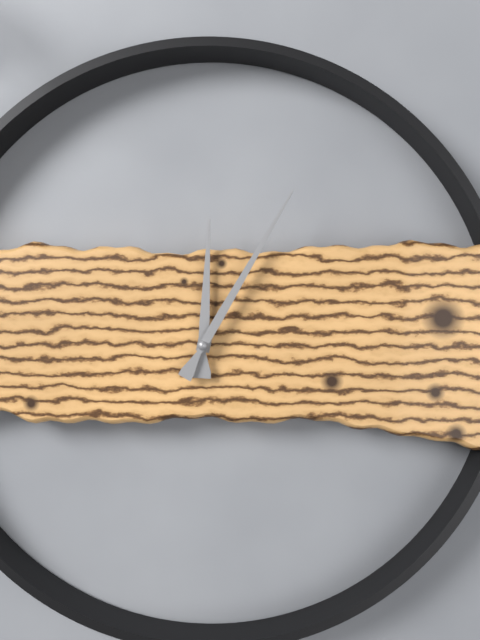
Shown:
**12:05**
